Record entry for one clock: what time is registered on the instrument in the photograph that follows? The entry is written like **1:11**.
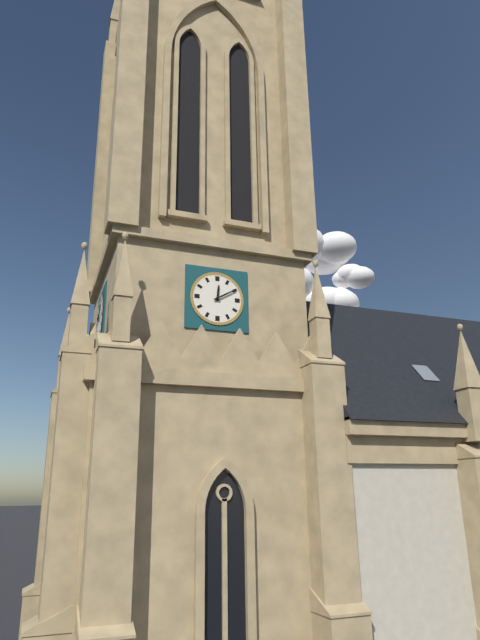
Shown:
**12:10**
